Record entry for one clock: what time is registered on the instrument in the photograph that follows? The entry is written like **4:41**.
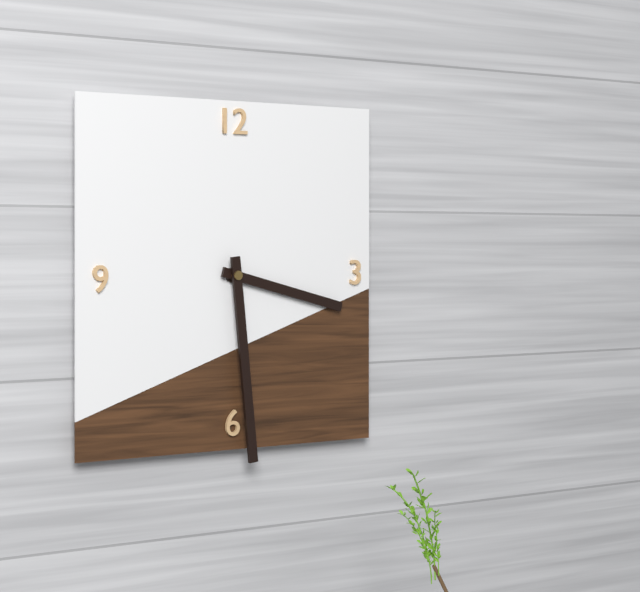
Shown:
**3:29**
